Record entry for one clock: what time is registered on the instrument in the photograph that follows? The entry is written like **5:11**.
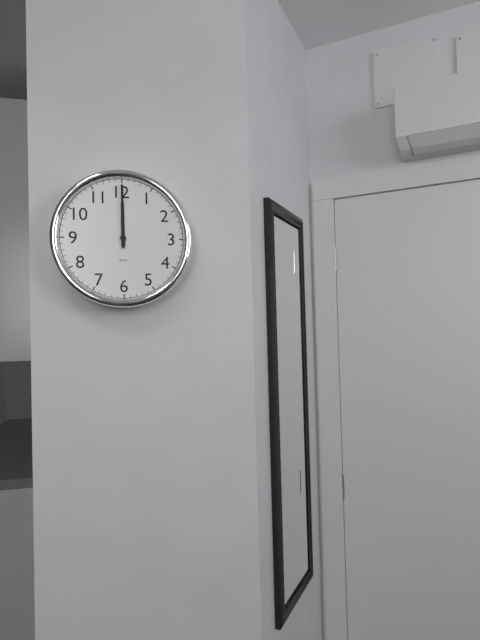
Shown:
**12:00**
